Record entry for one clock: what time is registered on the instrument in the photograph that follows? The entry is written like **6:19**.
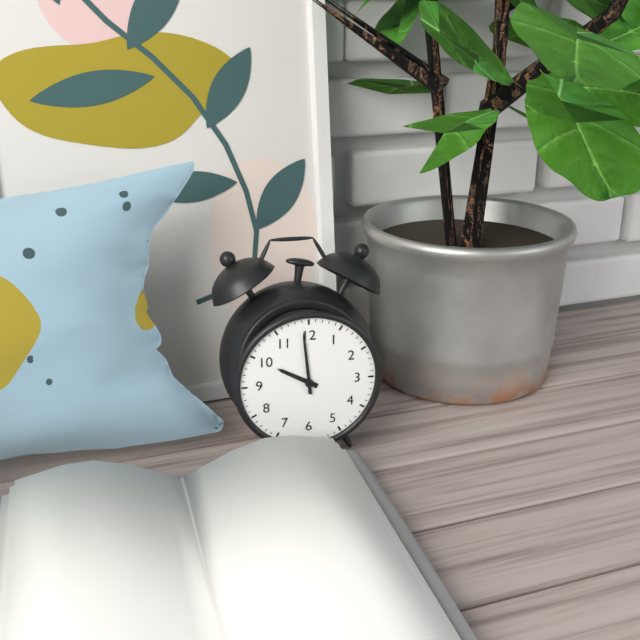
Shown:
**9:59**
